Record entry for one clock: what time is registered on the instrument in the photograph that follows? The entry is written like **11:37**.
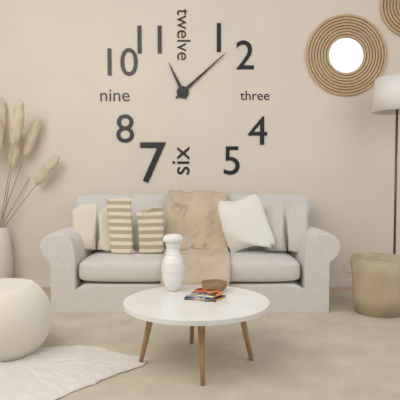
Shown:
**11:08**
